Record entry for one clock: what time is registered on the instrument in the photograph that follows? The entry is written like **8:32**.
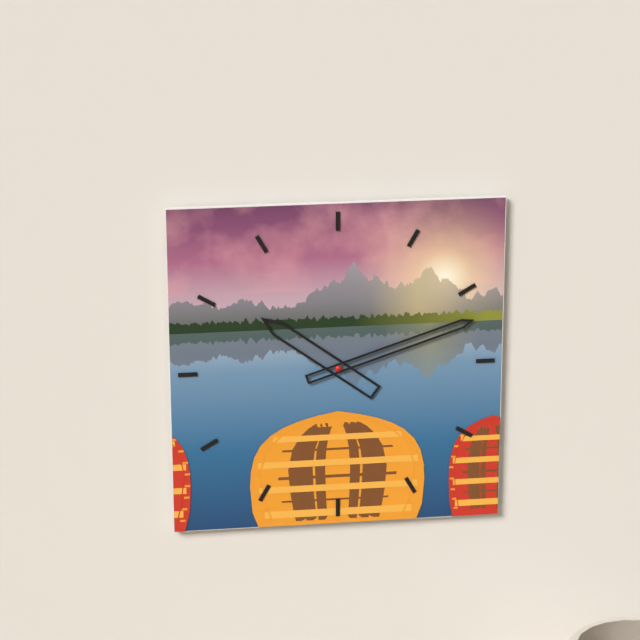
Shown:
**10:12**
